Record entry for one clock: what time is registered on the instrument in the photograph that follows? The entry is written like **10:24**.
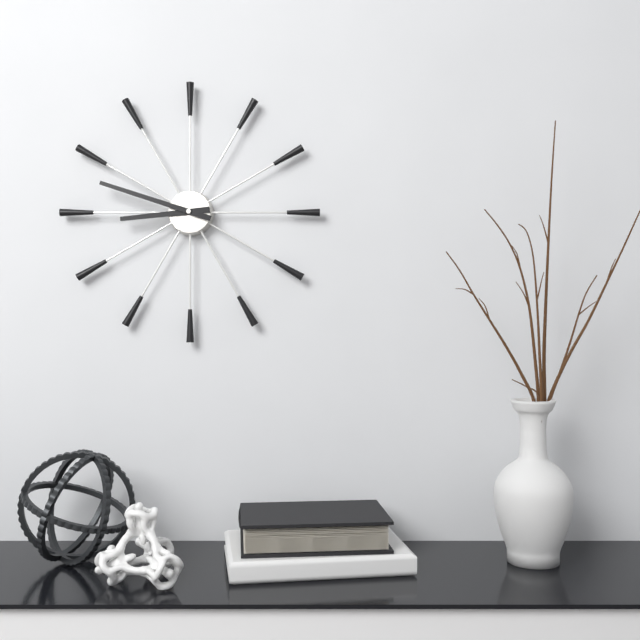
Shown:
**8:48**
